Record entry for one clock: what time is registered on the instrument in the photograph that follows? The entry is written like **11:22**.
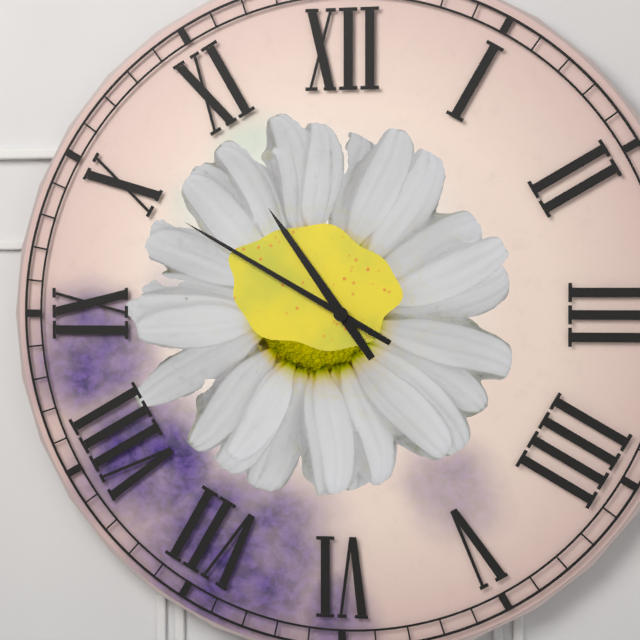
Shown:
**10:50**
